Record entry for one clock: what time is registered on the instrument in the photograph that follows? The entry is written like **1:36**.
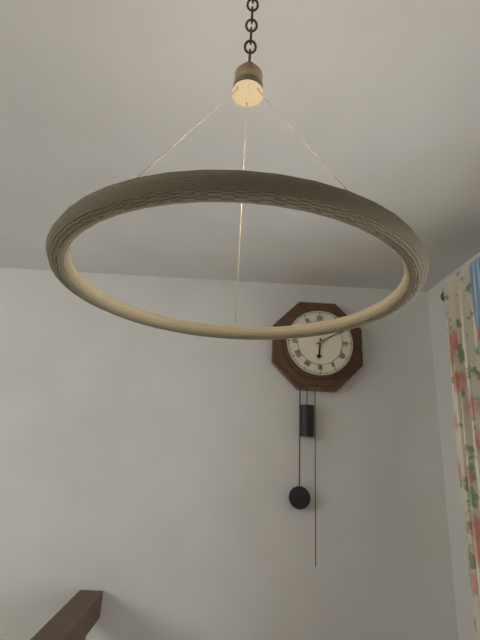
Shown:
**6:10**
